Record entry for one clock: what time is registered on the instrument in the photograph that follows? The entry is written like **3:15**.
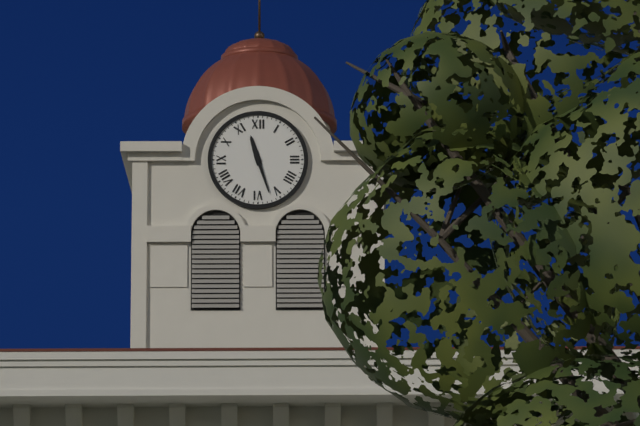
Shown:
**11:27**
